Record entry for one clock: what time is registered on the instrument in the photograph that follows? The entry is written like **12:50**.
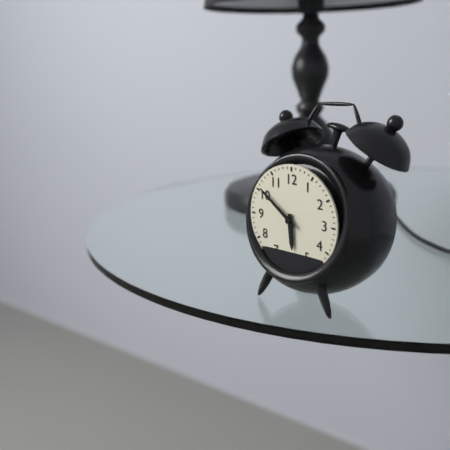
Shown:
**5:51**
